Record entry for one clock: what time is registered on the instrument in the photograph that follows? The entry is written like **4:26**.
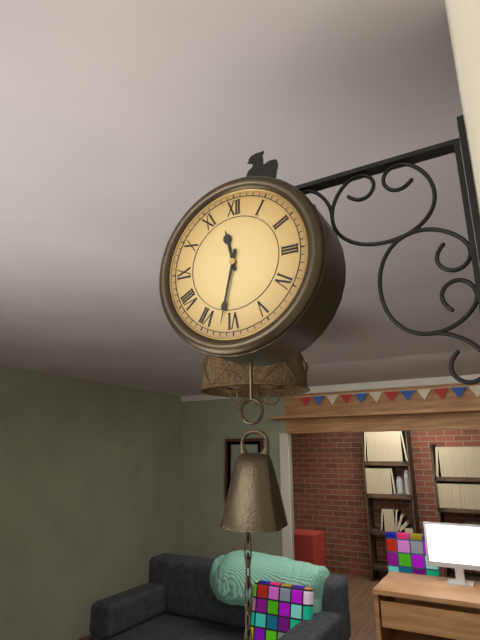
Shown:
**11:32**
